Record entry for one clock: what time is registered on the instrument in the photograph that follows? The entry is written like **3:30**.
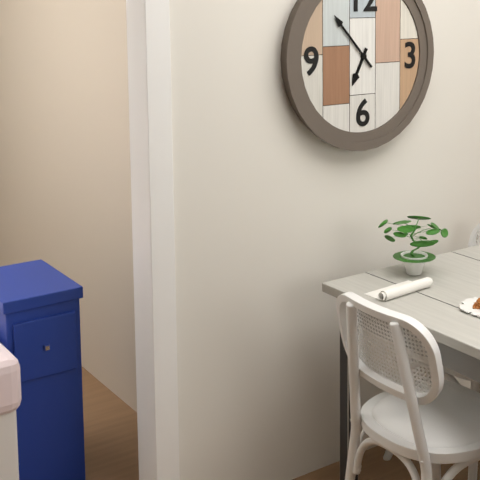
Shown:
**6:53**
